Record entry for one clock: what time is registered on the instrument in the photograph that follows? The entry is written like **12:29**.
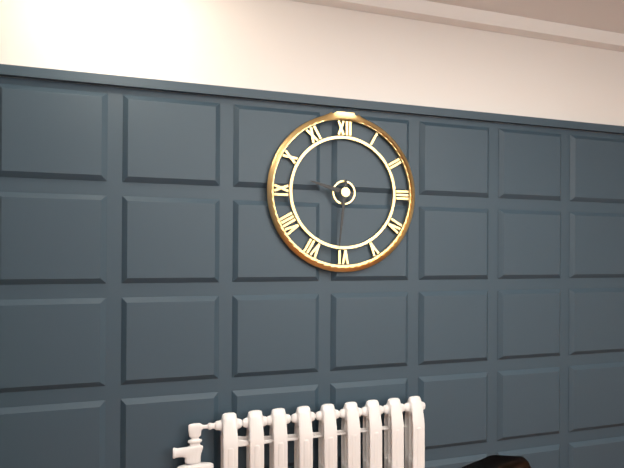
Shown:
**9:31**
